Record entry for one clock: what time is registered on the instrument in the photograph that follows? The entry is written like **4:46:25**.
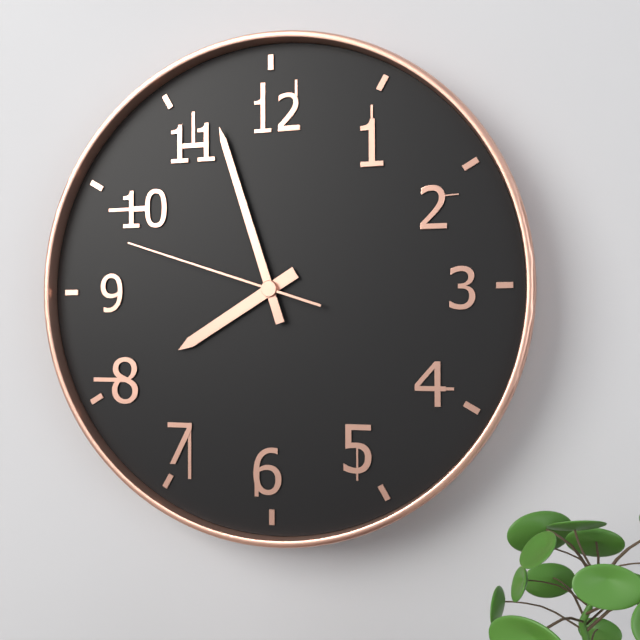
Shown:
**7:57:48**
